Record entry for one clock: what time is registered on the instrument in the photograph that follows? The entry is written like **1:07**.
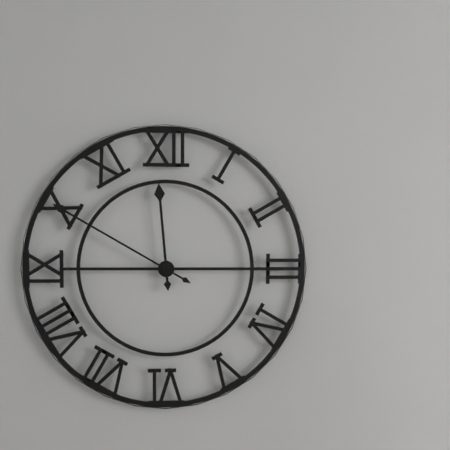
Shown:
**11:50**
